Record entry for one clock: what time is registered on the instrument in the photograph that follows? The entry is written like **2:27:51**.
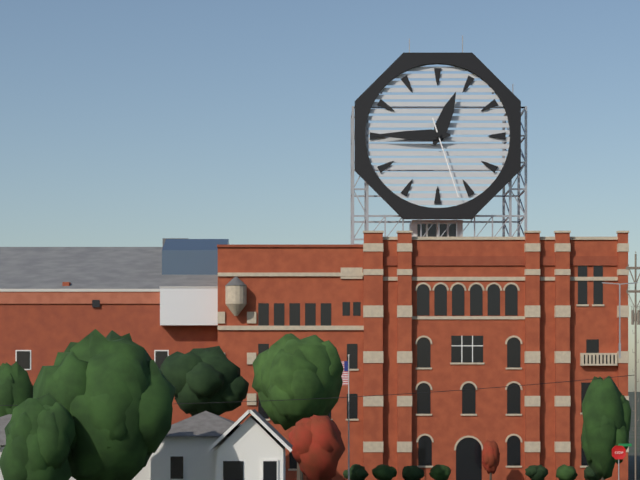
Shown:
**12:45:27**
